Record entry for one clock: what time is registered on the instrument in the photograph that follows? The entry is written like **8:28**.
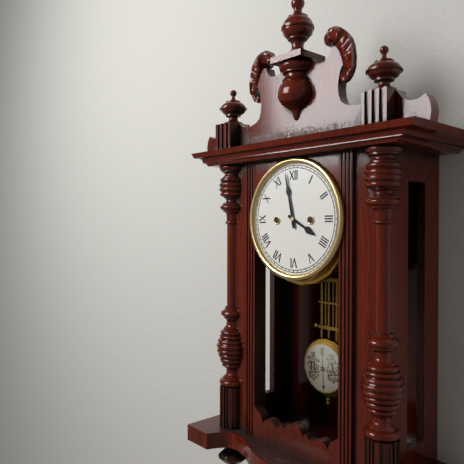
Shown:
**3:58**
